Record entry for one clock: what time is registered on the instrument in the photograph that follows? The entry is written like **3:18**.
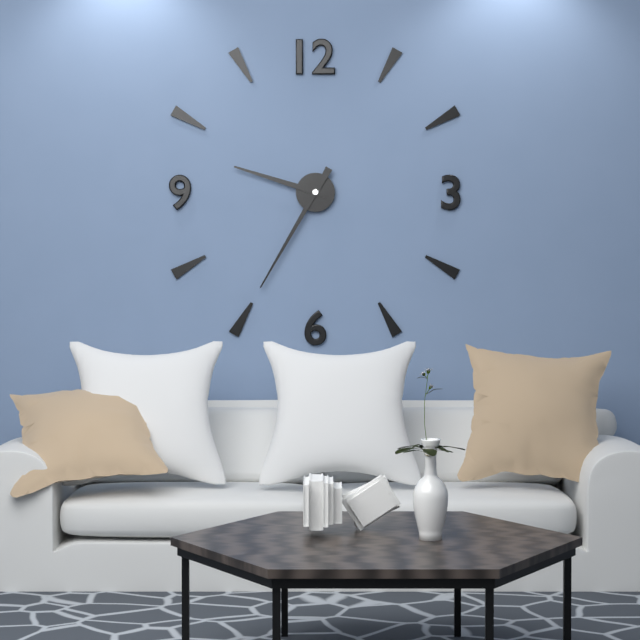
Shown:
**9:35**
